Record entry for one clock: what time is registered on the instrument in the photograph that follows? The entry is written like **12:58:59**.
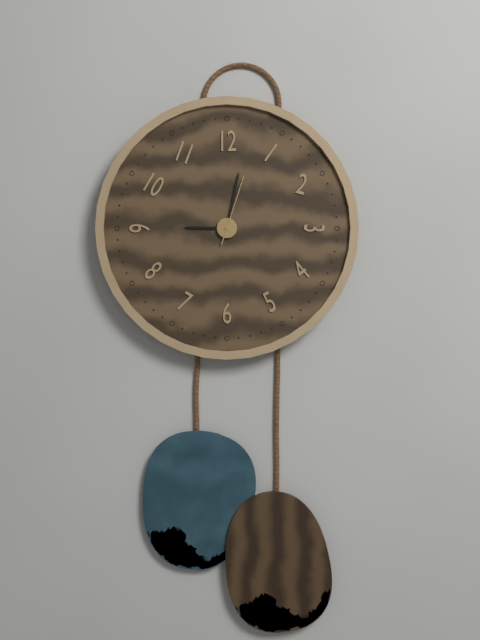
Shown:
**9:02:03**
